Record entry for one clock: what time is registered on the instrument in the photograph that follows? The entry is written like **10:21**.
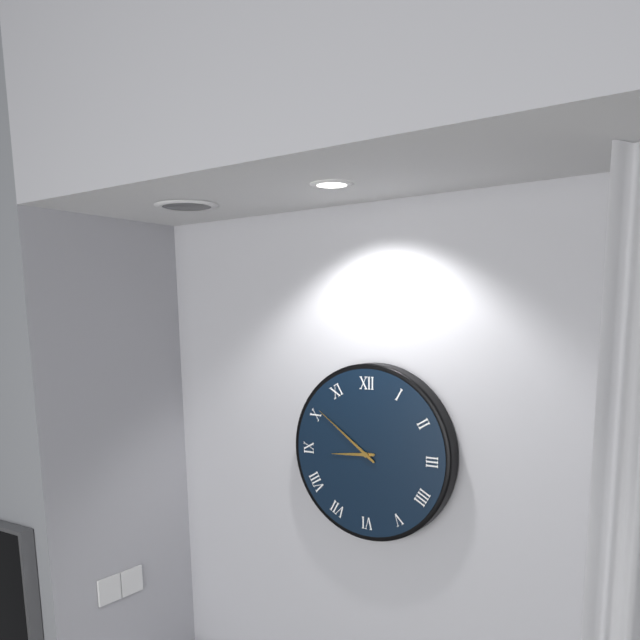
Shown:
**8:51**
